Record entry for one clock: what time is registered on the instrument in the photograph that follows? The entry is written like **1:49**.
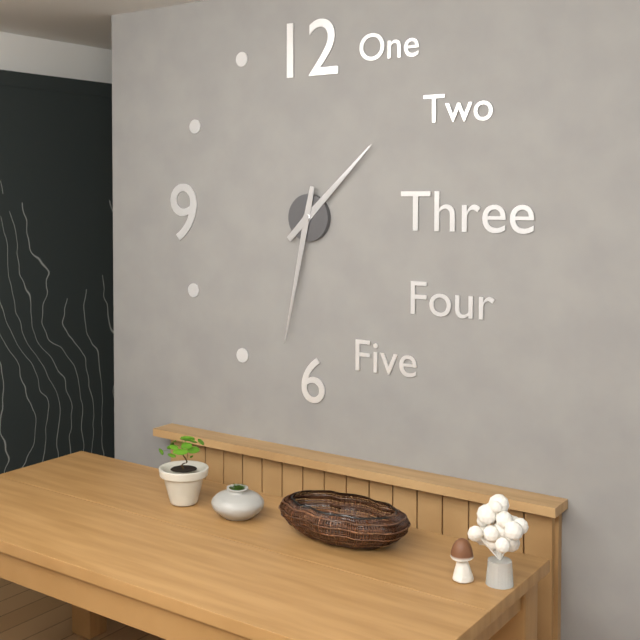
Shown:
**1:32**
